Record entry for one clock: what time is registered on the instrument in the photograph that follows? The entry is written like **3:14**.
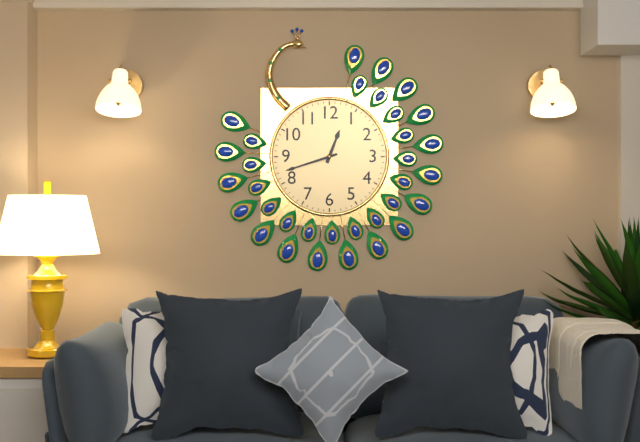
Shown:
**12:42**
